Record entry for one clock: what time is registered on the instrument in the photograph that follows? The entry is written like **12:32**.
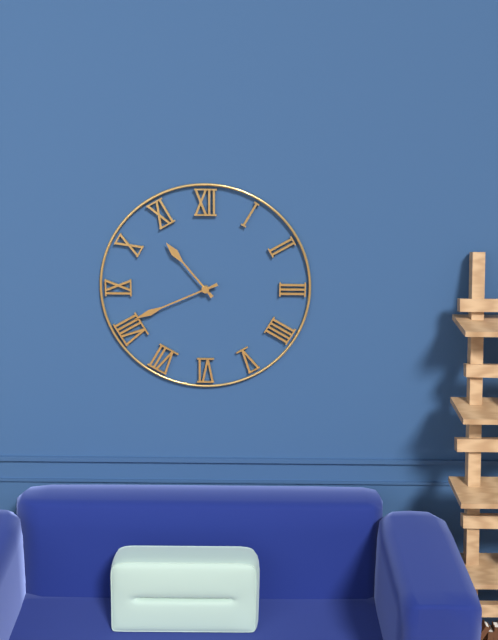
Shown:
**10:41**
